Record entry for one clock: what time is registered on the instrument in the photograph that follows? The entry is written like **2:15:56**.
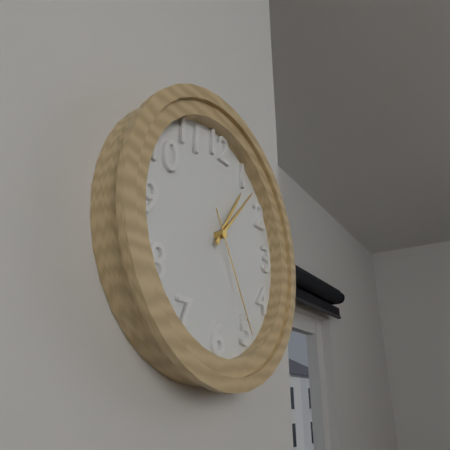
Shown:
**1:07:25**
